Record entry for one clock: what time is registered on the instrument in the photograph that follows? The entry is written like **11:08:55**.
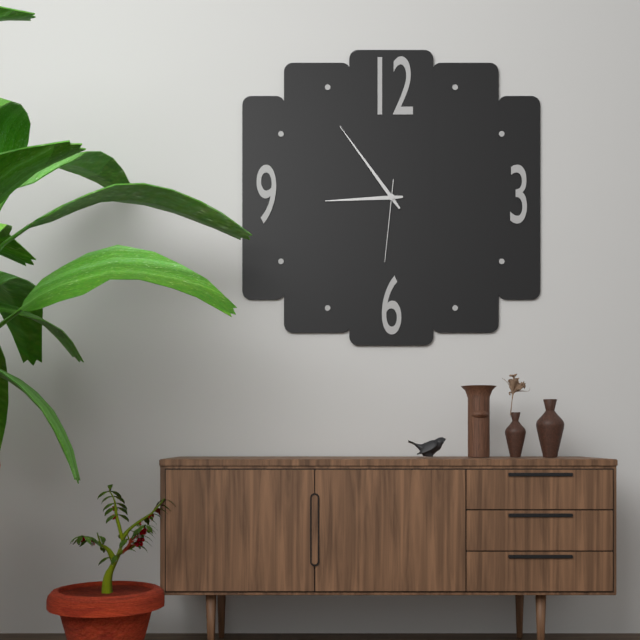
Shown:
**8:54:31**
